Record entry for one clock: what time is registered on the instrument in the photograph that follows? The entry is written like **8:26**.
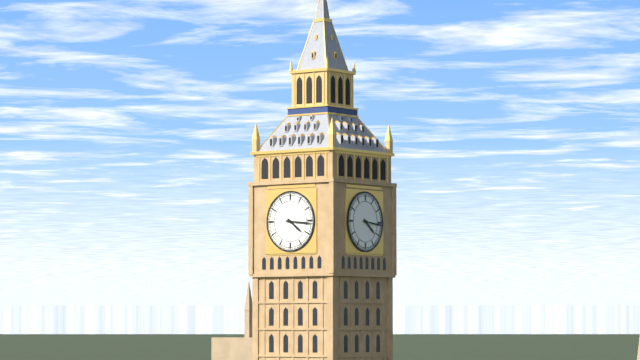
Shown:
**4:16**
